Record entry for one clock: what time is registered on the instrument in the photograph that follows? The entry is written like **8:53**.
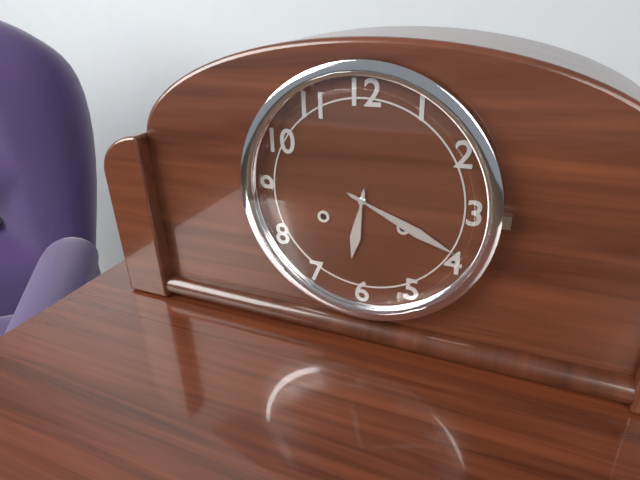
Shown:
**6:19**
